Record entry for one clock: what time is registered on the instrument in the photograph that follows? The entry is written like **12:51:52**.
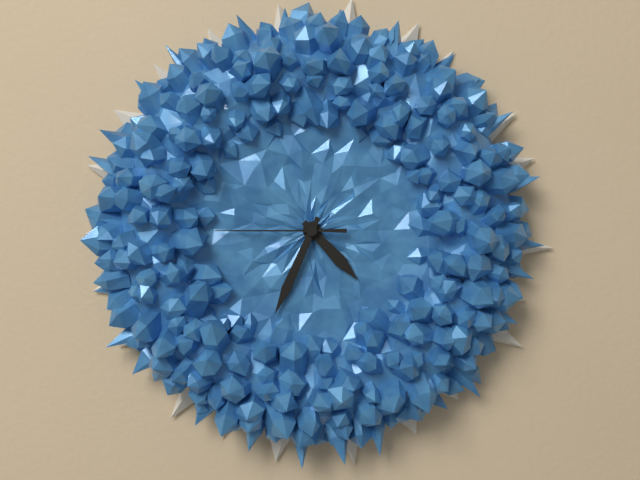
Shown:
**4:34:45**
